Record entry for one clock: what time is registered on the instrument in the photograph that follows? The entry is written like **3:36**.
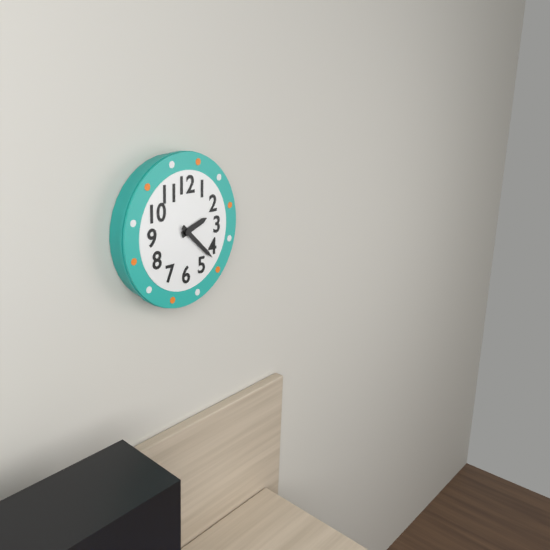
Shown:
**2:22**
